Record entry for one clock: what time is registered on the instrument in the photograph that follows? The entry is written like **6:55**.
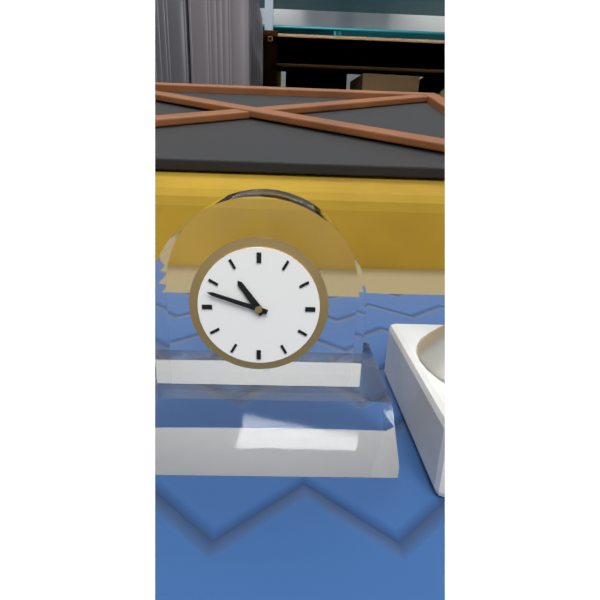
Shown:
**10:48**
